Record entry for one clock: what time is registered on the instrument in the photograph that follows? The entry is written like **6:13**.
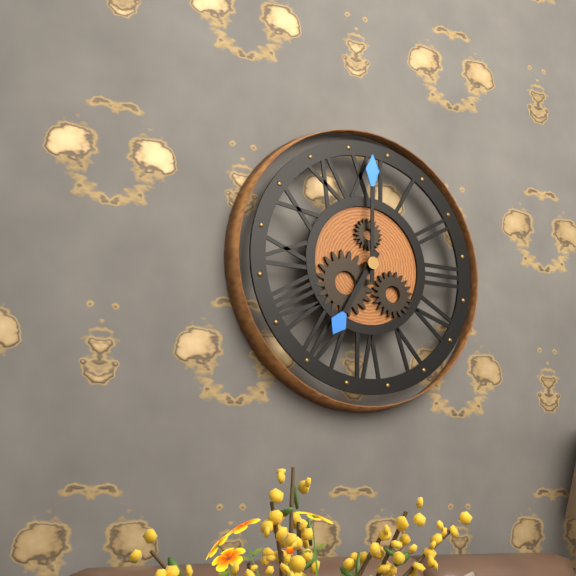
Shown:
**7:00**
